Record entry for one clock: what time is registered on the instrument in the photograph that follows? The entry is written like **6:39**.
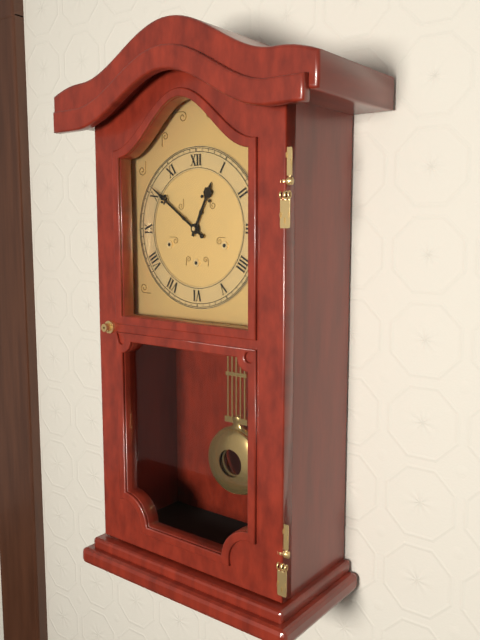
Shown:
**12:51**
